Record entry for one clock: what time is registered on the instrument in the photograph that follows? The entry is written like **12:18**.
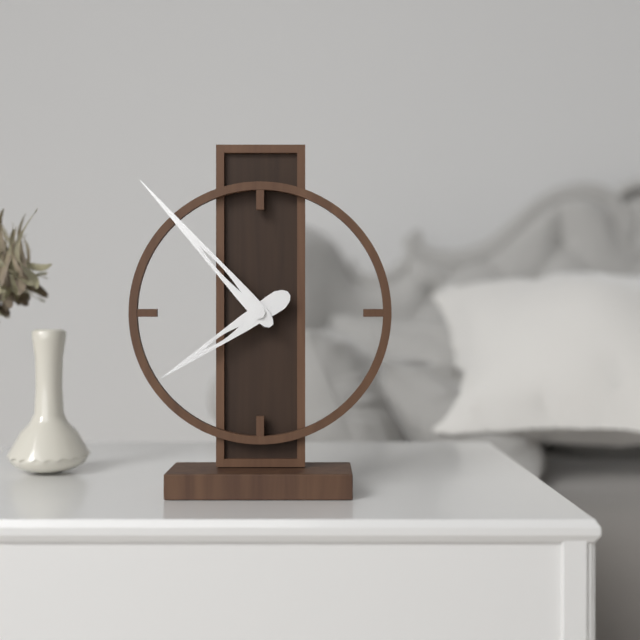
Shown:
**7:53**
